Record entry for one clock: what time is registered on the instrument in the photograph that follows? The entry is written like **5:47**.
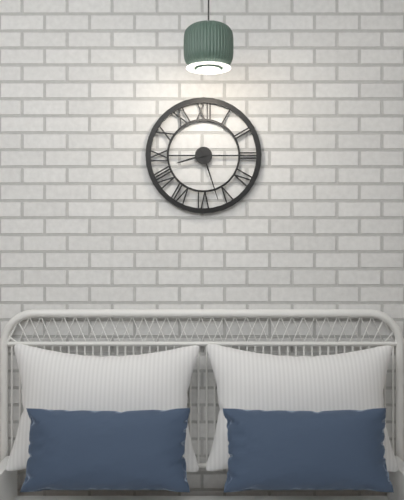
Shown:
**8:27**
